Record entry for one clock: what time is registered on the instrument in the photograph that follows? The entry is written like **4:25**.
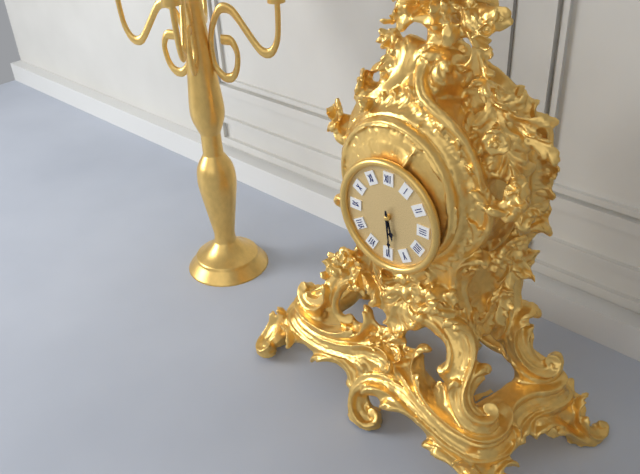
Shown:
**5:29**
